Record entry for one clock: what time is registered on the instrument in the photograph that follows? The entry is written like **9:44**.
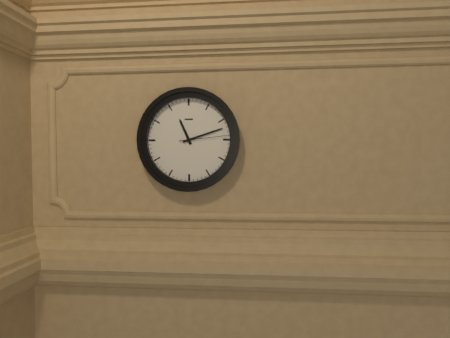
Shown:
**11:12**
